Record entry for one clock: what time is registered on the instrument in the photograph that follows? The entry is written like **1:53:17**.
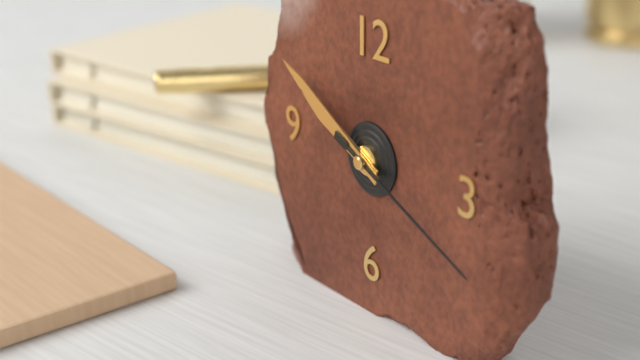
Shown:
**9:50:19**
